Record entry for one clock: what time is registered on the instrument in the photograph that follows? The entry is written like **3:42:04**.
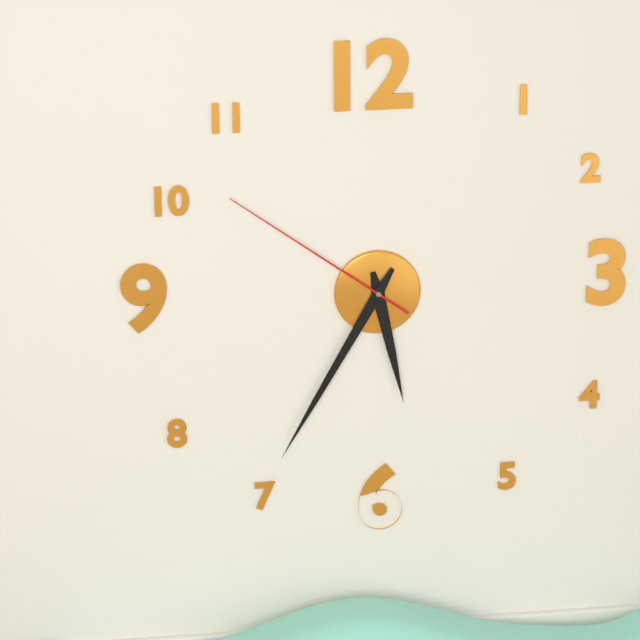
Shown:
**5:35:51**
